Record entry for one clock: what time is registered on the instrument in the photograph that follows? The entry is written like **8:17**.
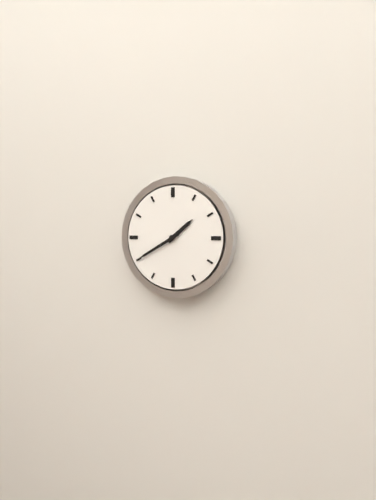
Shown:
**1:40**
